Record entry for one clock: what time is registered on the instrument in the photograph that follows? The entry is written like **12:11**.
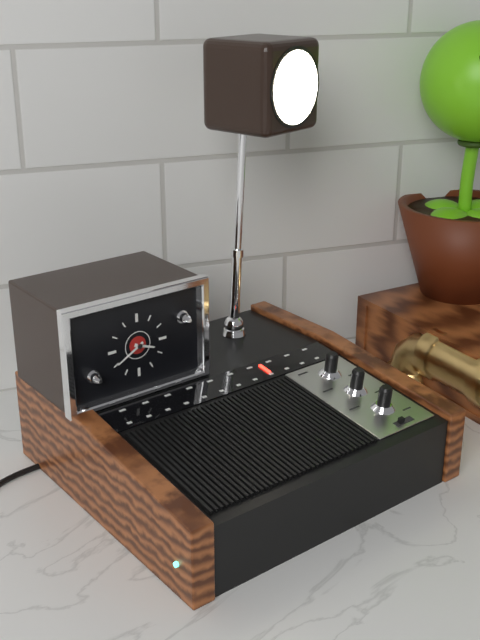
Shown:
**3:40**
